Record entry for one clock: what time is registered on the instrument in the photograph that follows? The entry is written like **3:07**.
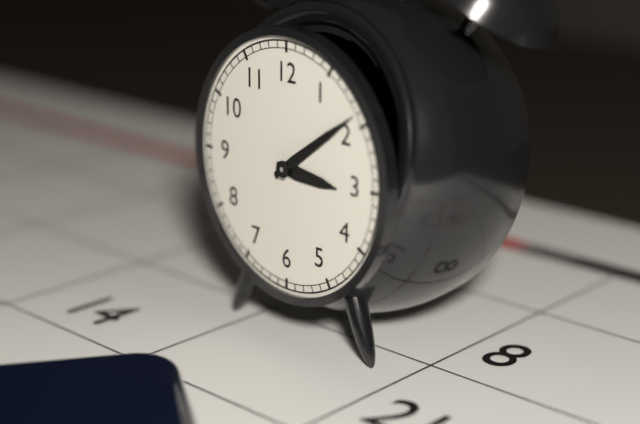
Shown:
**3:09**
